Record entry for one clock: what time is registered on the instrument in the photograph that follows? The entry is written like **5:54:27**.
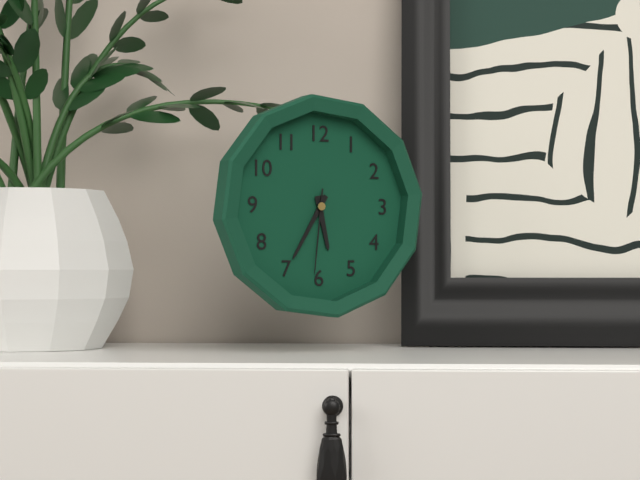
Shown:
**5:35:31**
